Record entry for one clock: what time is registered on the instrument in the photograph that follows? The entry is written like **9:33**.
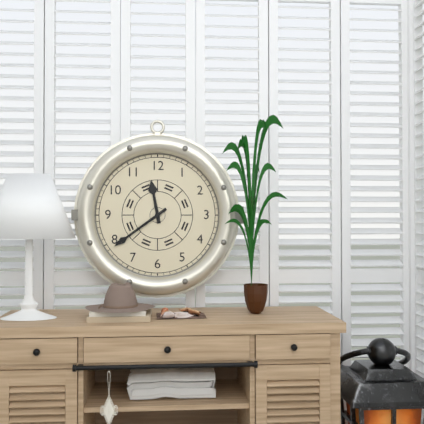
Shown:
**11:39**
